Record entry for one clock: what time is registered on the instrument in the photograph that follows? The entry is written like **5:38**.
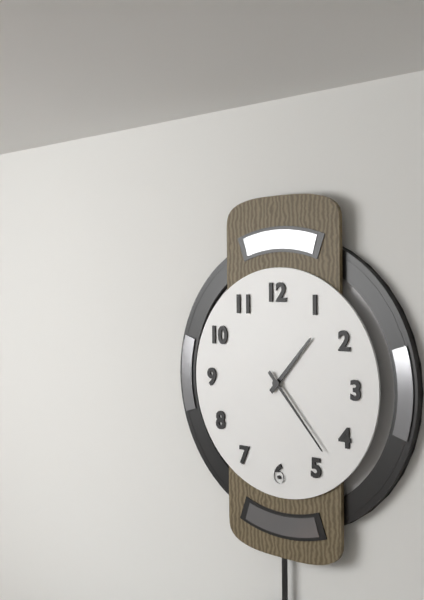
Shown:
**1:23**
